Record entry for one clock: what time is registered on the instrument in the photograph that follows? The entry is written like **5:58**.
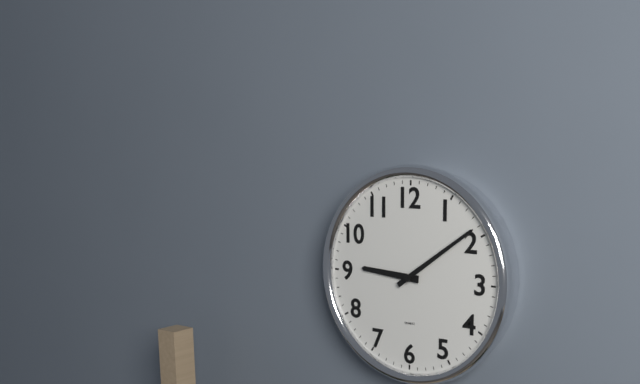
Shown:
**9:09**
